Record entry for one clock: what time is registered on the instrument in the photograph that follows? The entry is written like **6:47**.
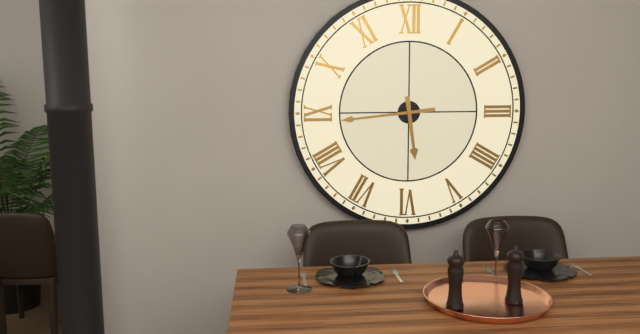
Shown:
**5:44**
